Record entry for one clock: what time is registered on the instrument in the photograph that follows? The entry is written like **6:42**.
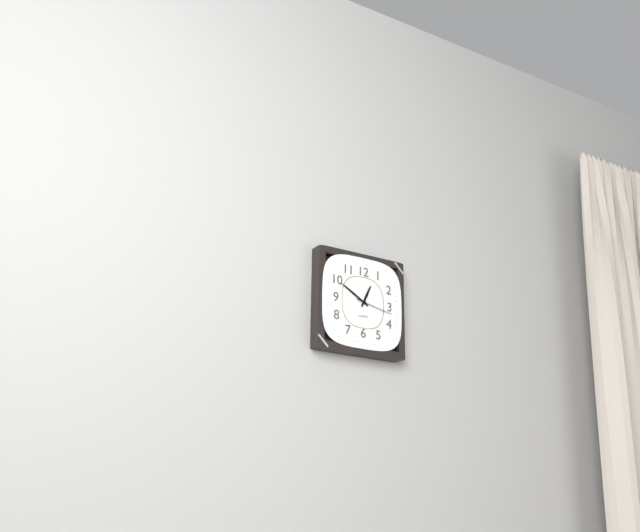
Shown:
**12:50**
